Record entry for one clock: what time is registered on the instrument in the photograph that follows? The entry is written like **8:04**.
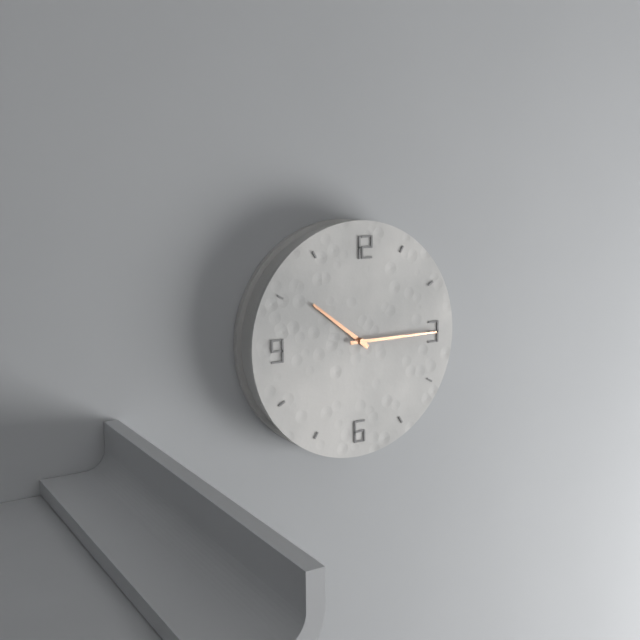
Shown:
**10:15**
